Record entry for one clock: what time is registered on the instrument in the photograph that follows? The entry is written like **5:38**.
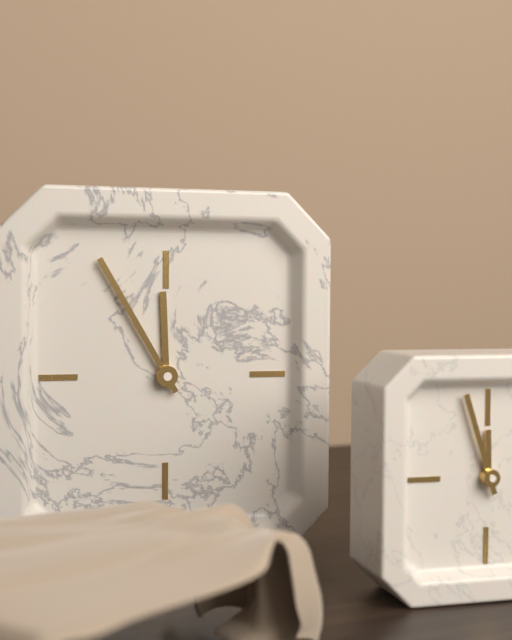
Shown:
**11:55**
